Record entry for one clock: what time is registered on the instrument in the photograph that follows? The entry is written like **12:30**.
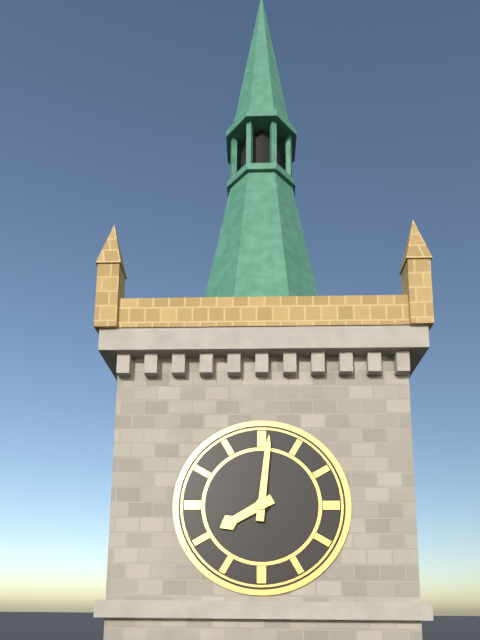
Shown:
**8:01**
